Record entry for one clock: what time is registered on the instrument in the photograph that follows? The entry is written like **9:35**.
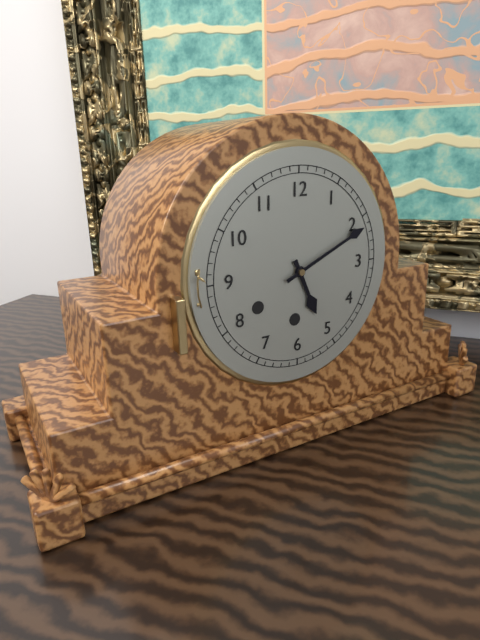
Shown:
**5:11**
